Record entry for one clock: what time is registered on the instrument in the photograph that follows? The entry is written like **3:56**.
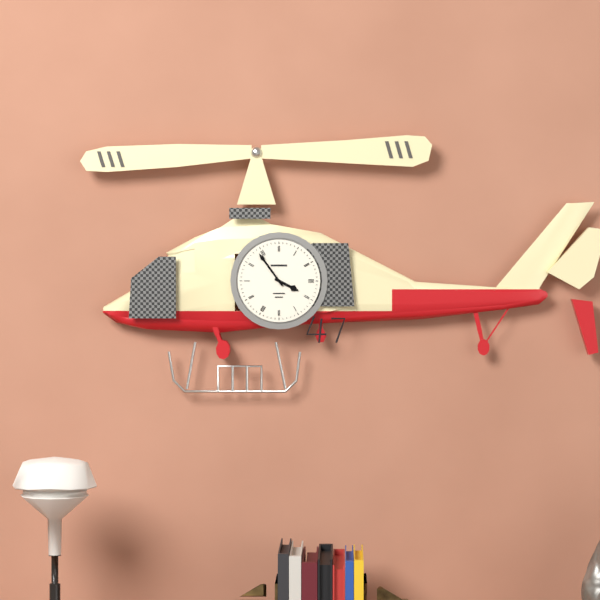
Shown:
**3:54**
